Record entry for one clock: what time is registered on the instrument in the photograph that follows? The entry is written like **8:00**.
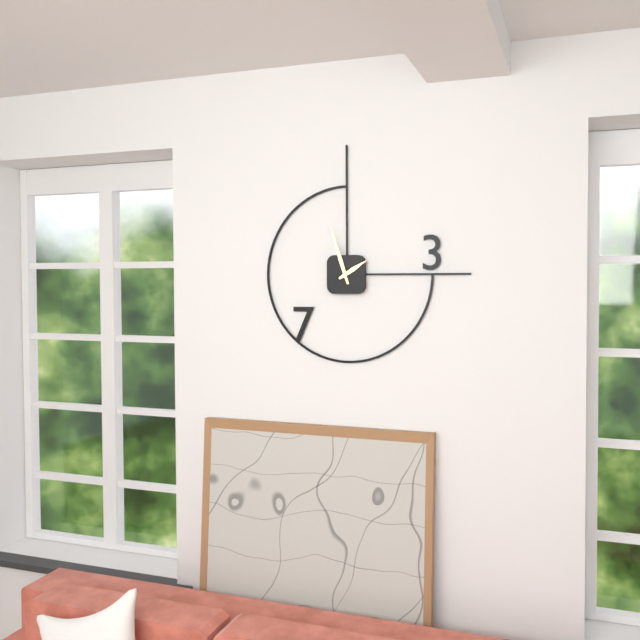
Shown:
**1:57**
